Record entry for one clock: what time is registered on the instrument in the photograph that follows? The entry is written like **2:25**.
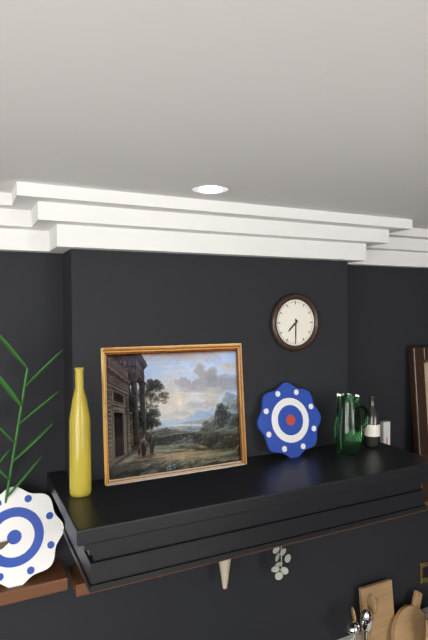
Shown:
**7:30**
